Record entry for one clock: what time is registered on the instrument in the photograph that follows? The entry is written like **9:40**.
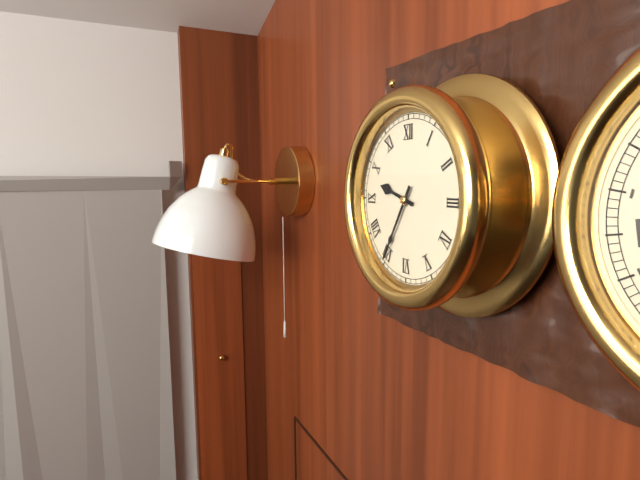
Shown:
**9:35**
